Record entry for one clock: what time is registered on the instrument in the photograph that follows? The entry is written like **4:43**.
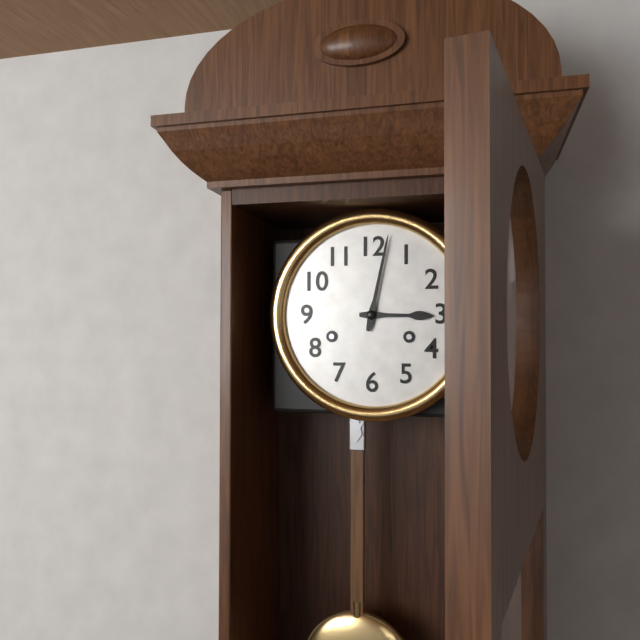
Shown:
**3:02**
